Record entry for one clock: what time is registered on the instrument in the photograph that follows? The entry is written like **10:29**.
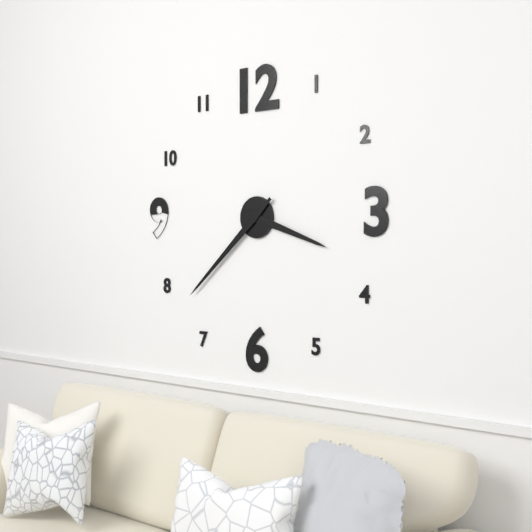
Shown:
**3:38**
